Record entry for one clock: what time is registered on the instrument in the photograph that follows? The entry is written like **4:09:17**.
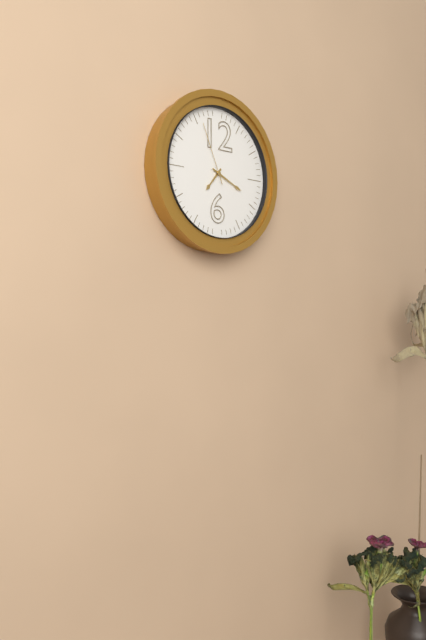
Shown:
**7:19:56**
